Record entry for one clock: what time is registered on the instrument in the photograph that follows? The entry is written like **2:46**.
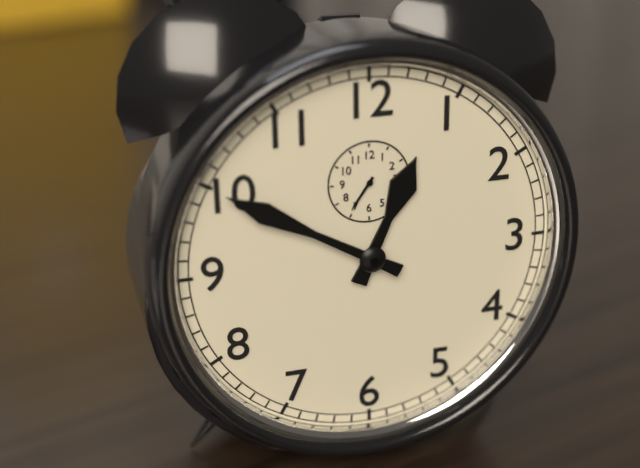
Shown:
**12:50**
